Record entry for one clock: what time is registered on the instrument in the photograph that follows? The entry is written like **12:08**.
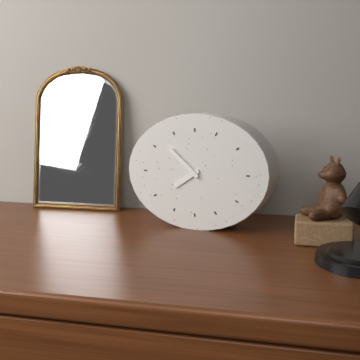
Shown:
**7:52**
